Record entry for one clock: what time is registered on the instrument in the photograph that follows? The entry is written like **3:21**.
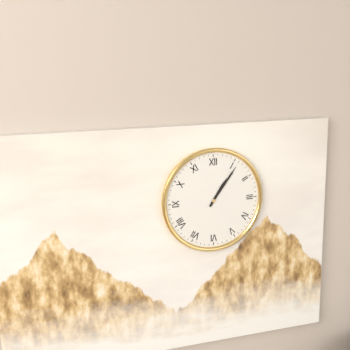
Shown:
**1:06**
